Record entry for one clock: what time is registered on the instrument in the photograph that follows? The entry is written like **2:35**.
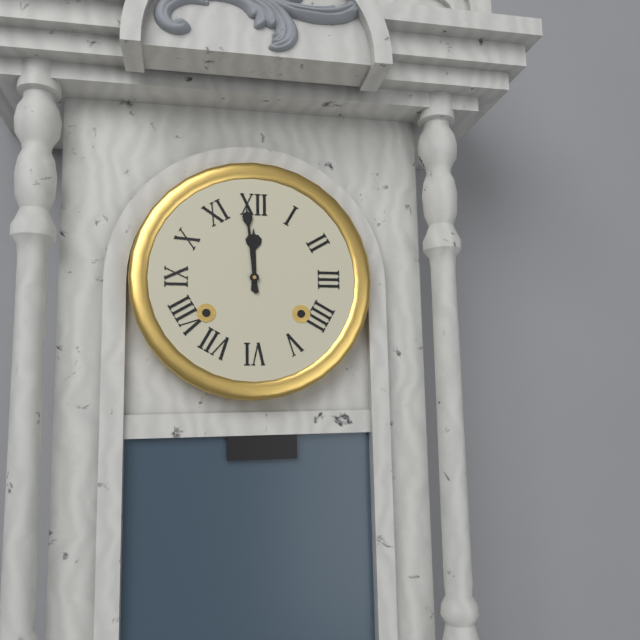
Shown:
**11:59**
